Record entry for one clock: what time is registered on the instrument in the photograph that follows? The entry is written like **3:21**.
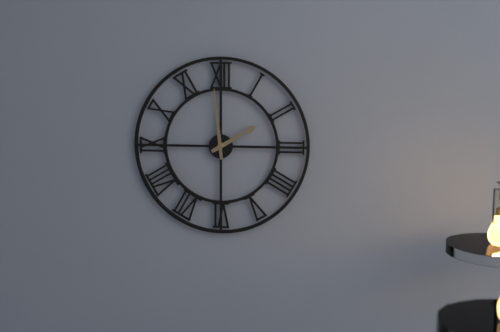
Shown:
**1:59**
